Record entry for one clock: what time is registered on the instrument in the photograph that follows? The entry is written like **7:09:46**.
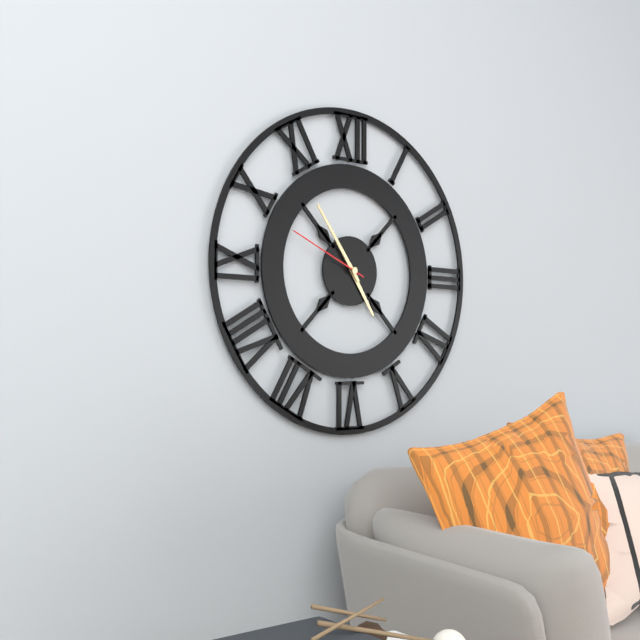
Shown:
**4:54:49**
